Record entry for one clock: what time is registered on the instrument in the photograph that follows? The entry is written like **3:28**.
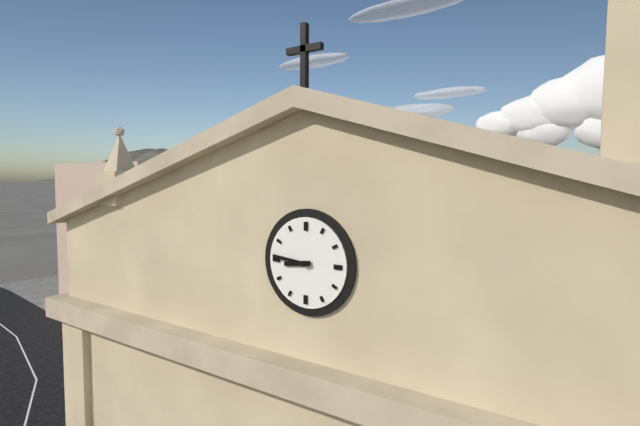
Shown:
**8:46**
